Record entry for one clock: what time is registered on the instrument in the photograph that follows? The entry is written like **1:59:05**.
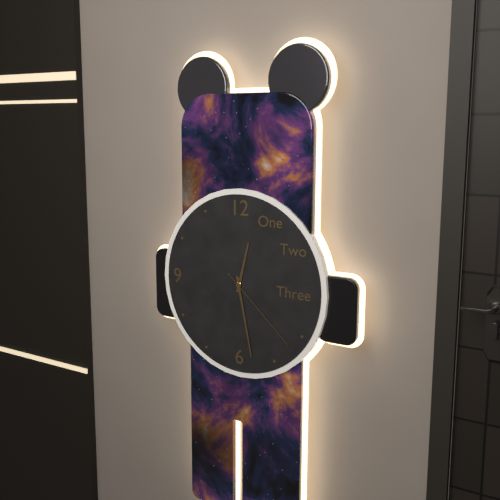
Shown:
**12:28:22**
